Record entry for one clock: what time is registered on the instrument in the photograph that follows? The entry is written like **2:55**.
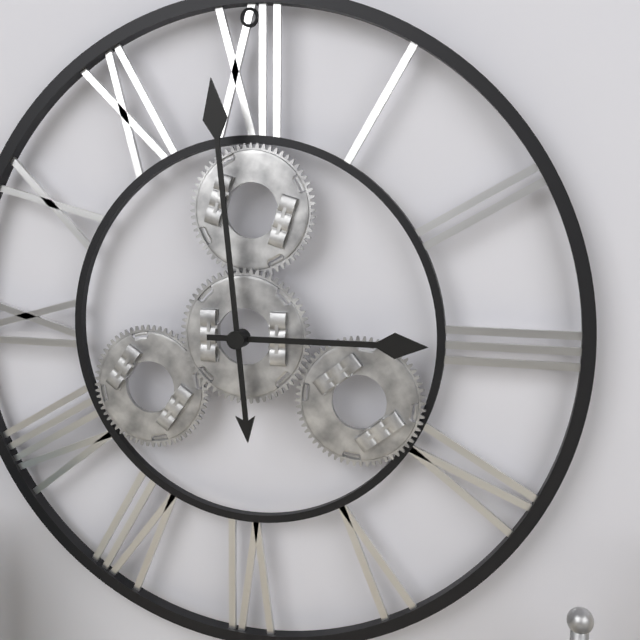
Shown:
**2:59**
